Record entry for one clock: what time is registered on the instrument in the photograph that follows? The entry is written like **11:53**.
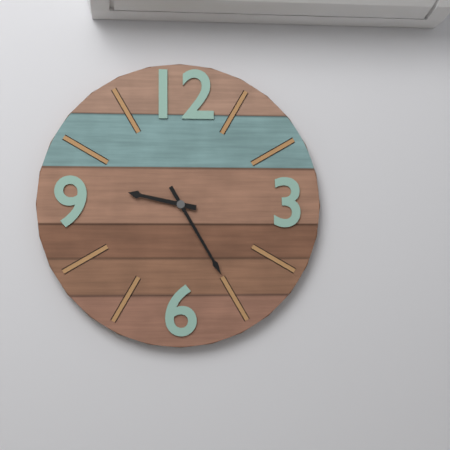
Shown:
**9:25**
